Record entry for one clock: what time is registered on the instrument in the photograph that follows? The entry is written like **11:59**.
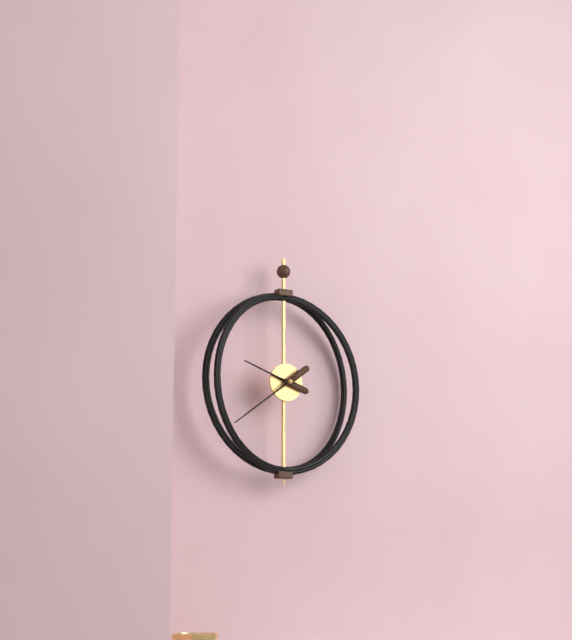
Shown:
**9:39**
